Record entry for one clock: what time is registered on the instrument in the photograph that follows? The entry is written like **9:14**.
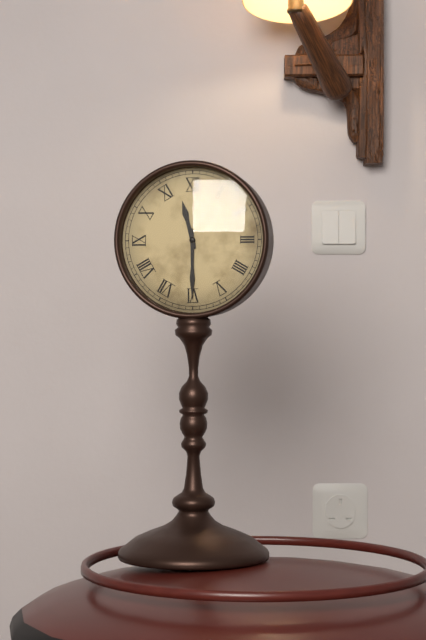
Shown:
**11:30**
